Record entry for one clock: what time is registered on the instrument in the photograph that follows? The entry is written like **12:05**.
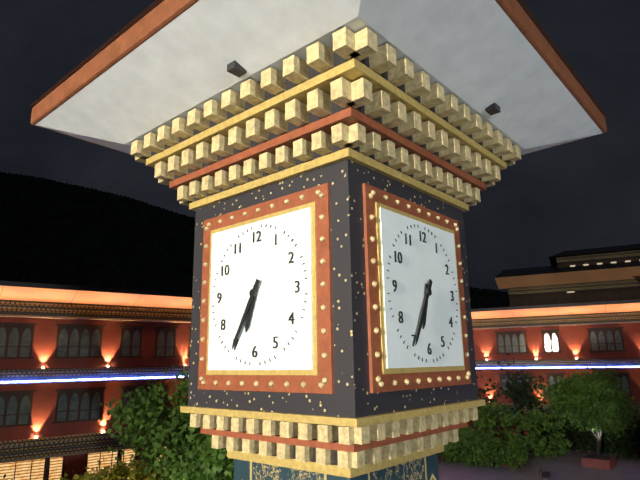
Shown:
**6:35**
